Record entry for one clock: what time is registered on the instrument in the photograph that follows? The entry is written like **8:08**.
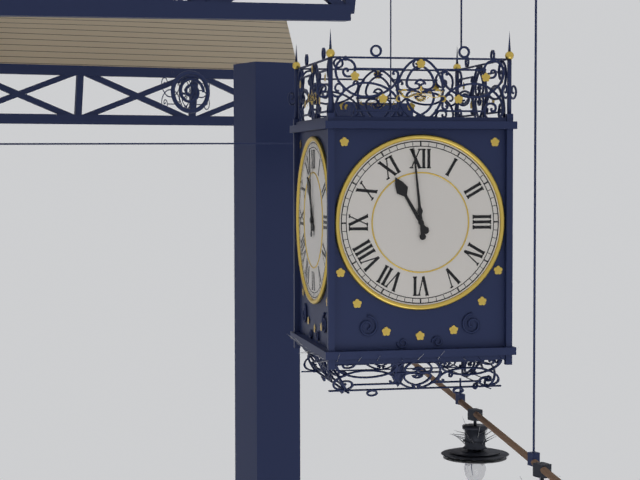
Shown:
**10:59**
